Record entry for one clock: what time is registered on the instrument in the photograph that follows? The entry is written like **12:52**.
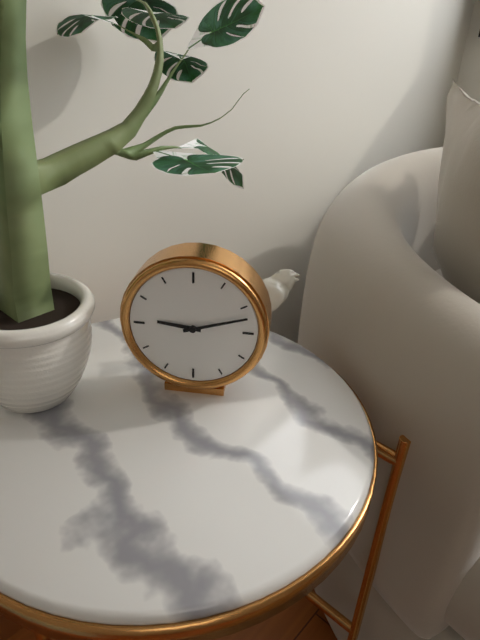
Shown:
**9:12**
